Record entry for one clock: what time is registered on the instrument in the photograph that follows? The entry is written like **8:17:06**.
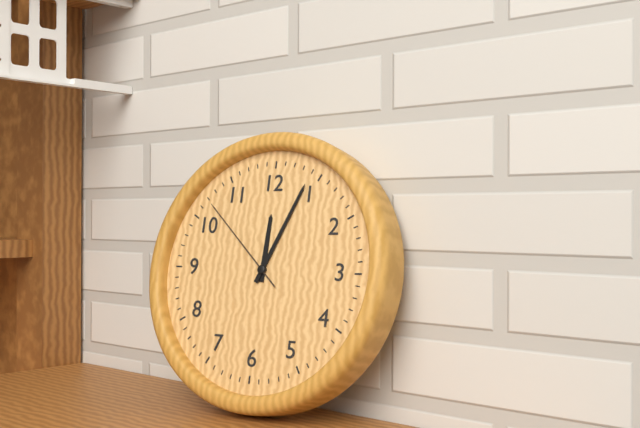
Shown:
**12:04:52**
